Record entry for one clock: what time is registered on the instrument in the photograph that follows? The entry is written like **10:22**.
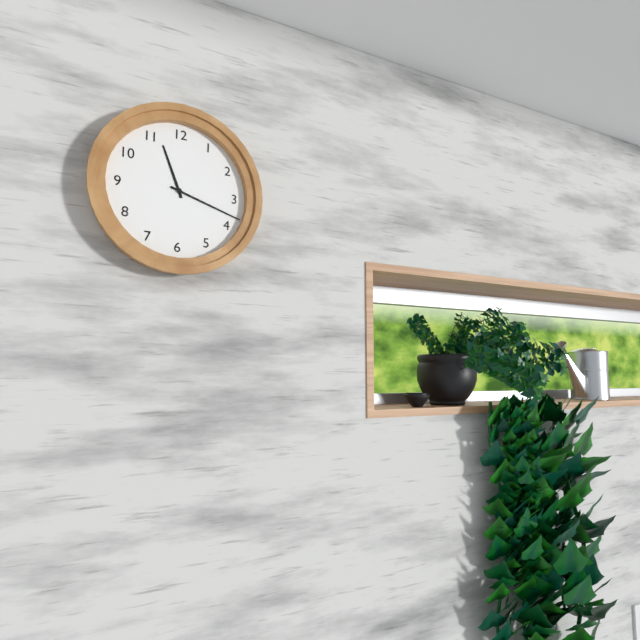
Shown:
**11:18**
